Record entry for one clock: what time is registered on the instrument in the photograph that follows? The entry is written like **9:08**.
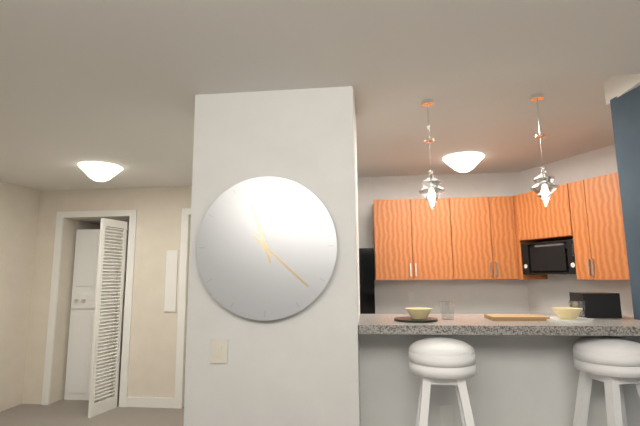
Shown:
**11:22**
